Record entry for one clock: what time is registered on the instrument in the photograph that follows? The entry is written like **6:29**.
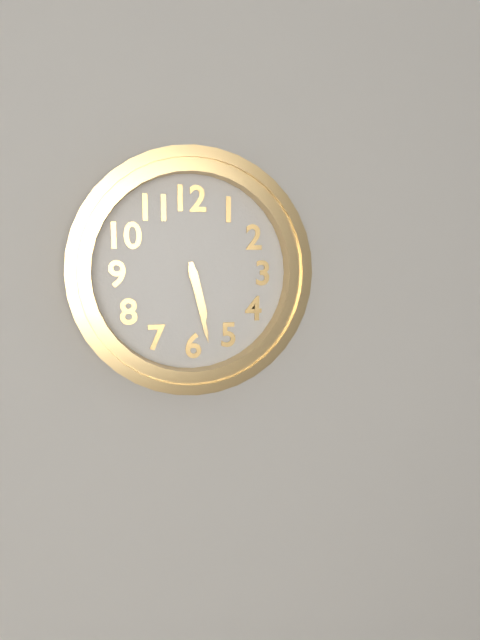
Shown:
**5:28**
